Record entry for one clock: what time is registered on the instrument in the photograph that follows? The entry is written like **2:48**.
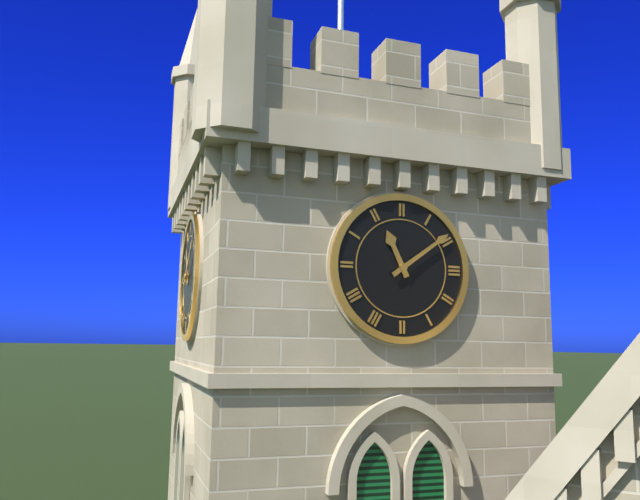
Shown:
**11:09**
